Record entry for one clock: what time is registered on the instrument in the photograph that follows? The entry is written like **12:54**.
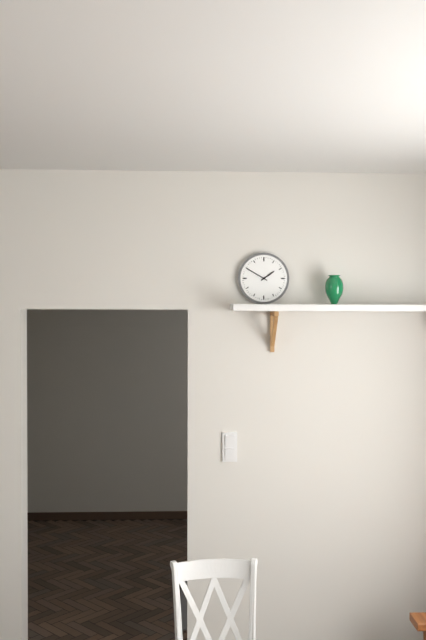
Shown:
**1:50**
